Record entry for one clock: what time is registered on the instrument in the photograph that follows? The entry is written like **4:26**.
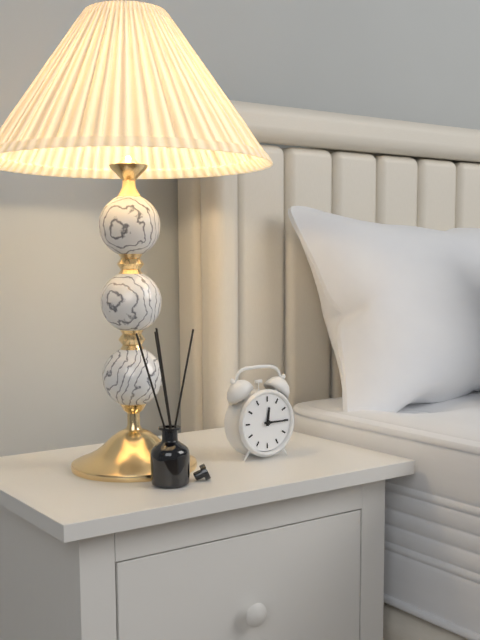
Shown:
**12:15**
